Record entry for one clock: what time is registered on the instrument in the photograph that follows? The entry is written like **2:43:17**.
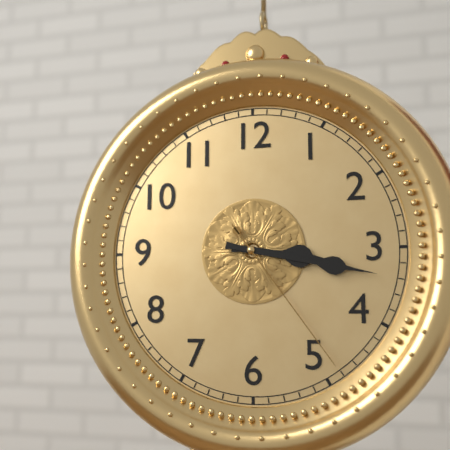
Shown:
**3:17:24**
